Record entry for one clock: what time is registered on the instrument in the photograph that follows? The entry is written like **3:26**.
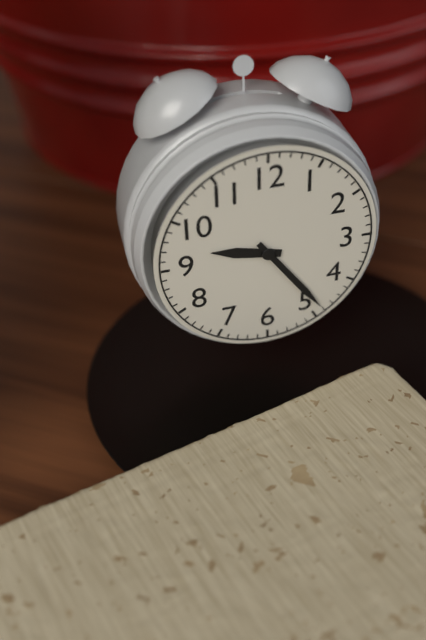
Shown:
**9:24**
